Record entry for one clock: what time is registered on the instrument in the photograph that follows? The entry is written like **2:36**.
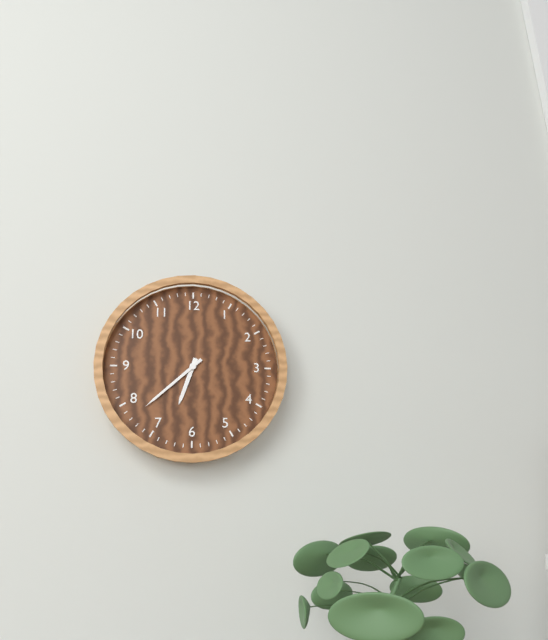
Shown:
**6:38**
